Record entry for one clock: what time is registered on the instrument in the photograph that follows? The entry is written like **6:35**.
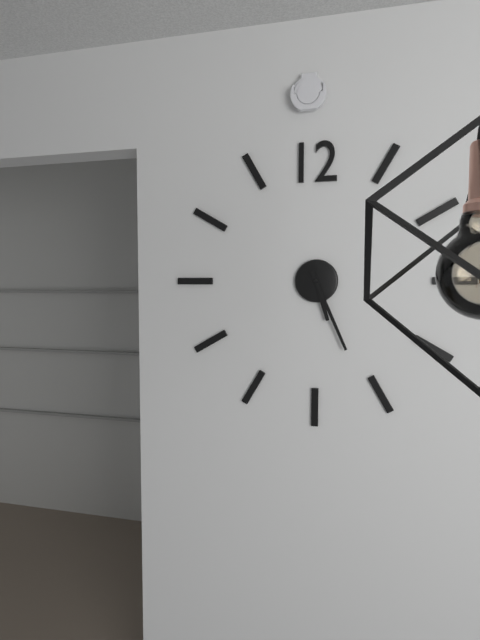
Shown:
**5:26**
